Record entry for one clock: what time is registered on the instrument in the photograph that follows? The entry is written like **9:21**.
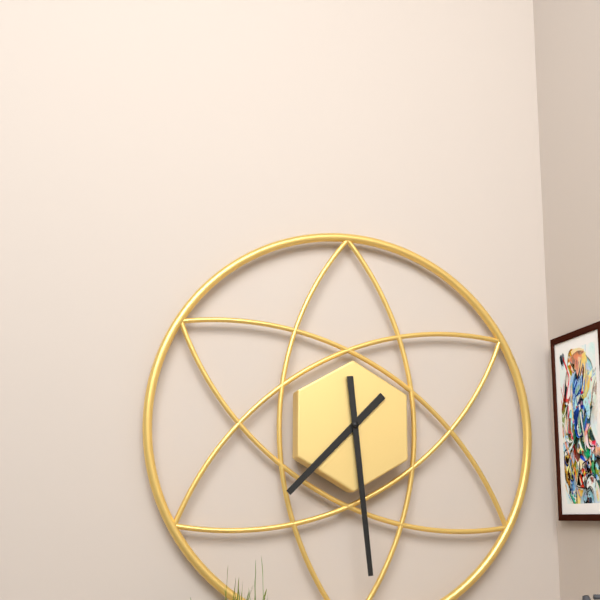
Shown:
**7:29**
